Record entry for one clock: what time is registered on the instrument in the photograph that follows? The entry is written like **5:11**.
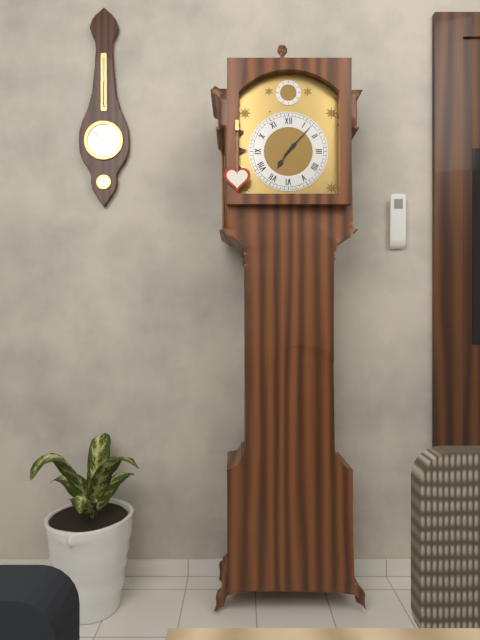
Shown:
**7:07**
